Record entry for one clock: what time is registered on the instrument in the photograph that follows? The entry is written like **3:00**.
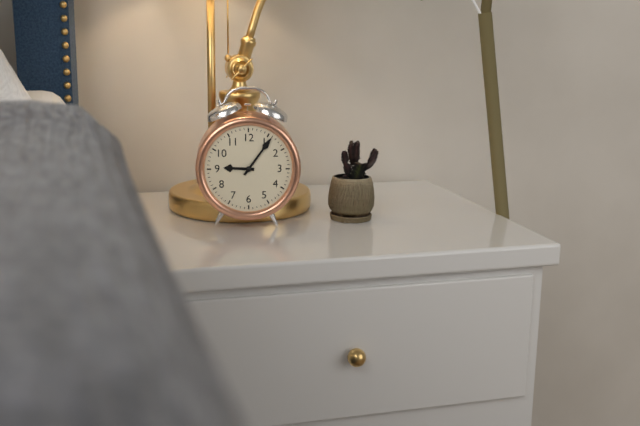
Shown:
**9:06**
